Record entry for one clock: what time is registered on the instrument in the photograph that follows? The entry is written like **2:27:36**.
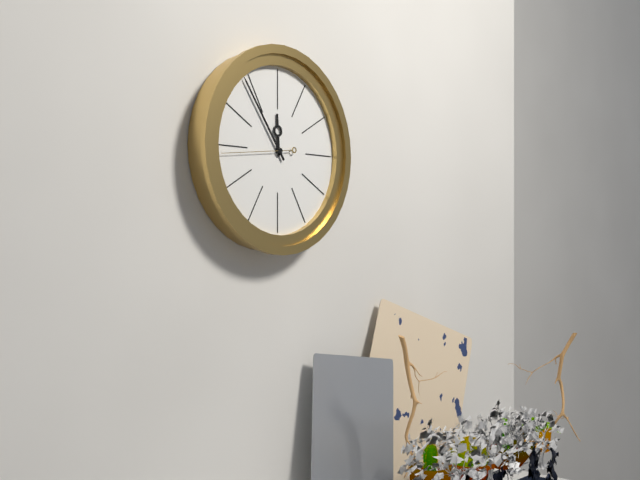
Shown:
**11:54:44**
